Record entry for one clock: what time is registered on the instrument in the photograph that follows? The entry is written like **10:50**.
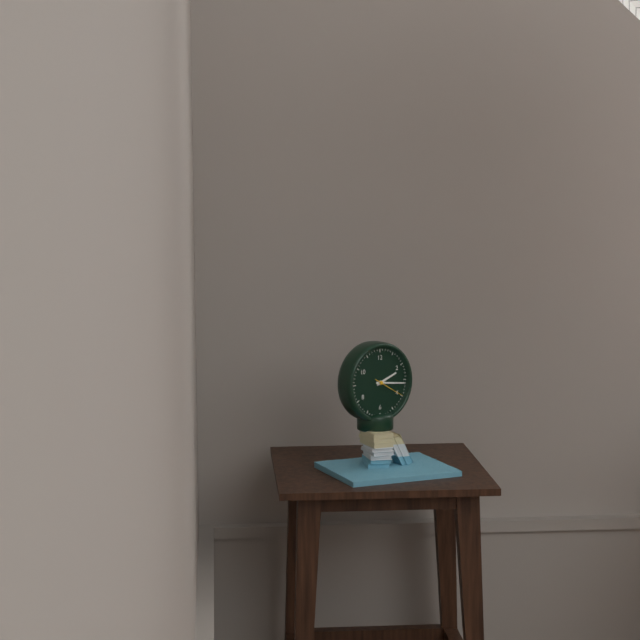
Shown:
**2:16**
